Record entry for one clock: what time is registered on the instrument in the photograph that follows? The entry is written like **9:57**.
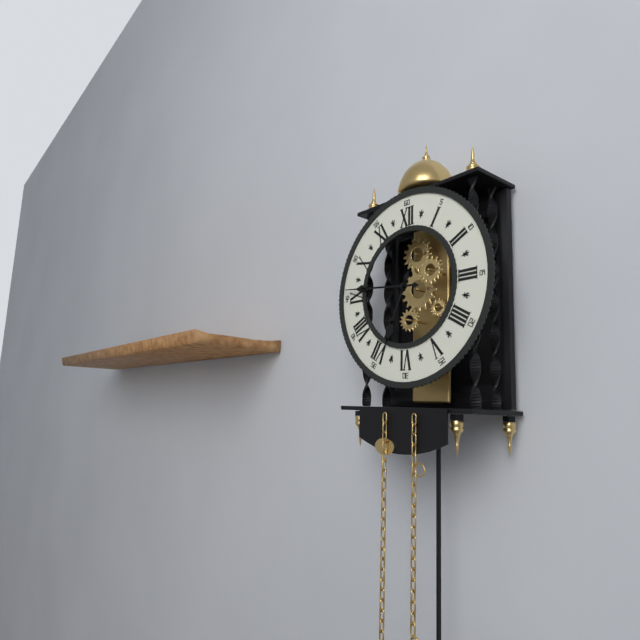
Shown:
**6:46**
